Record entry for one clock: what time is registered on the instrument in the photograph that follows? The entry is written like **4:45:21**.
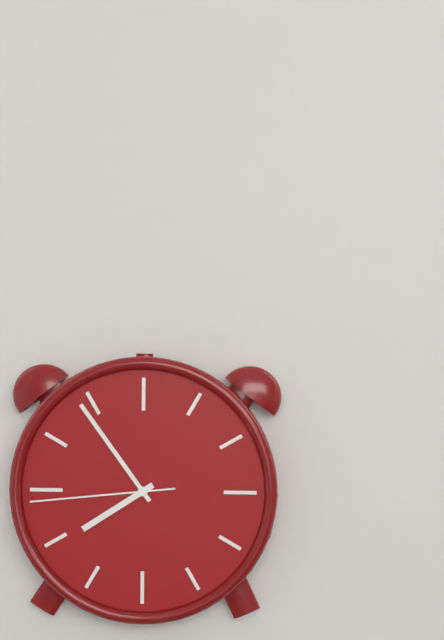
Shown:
**7:54:44**
